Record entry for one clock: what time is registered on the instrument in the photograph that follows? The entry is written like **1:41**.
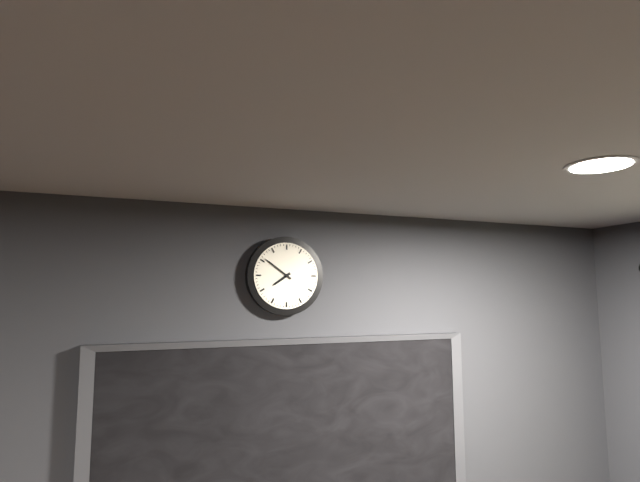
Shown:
**7:51**
